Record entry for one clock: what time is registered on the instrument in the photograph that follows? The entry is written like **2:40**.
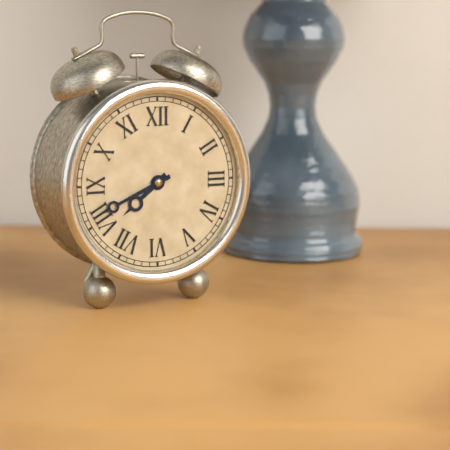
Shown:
**7:41**
